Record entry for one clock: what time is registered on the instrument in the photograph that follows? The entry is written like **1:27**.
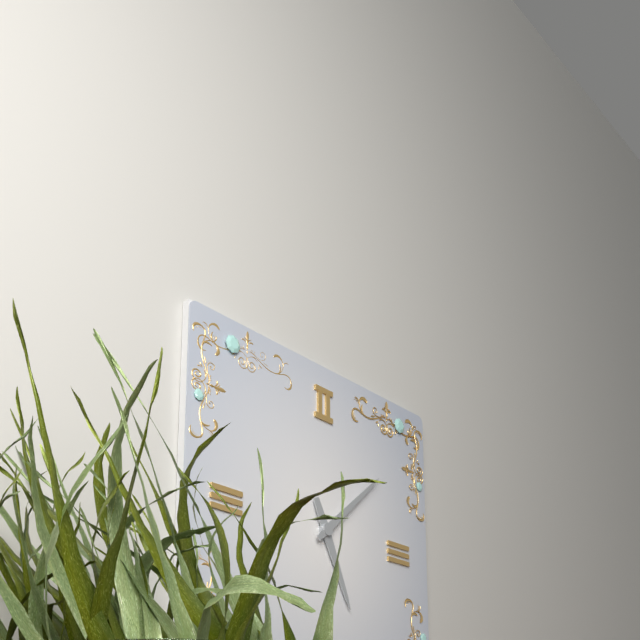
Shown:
**5:08**
